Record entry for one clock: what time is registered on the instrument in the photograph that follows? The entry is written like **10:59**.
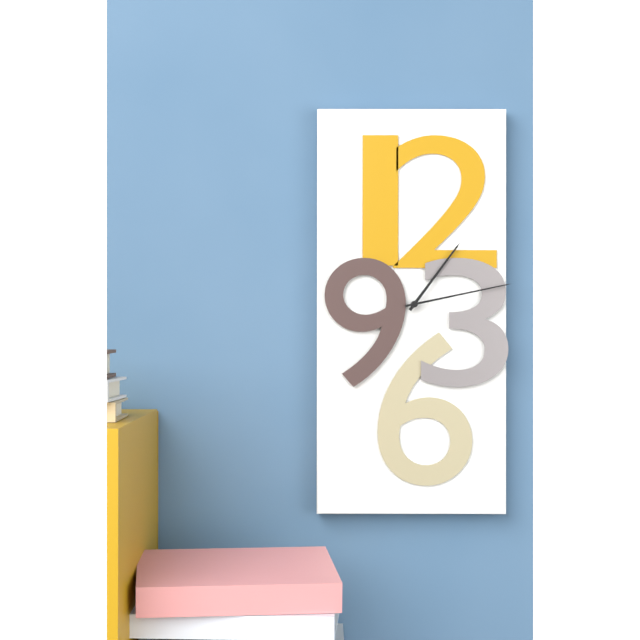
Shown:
**1:13**
